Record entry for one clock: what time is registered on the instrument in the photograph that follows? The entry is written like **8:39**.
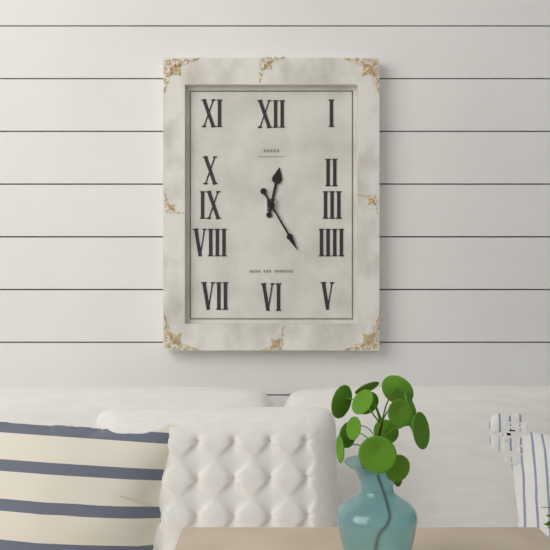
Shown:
**12:25**
